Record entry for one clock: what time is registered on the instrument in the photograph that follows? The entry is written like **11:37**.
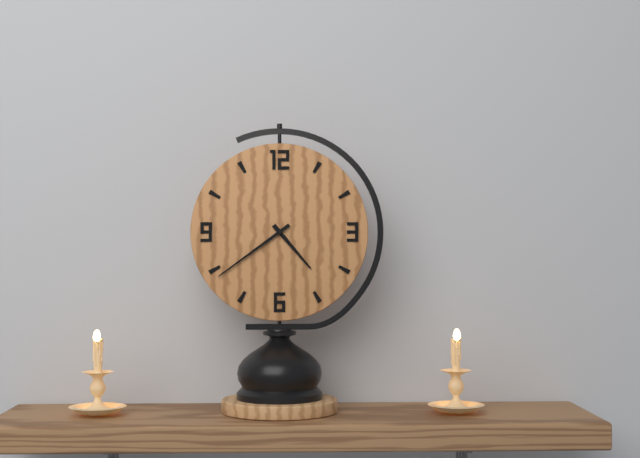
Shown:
**4:39**
